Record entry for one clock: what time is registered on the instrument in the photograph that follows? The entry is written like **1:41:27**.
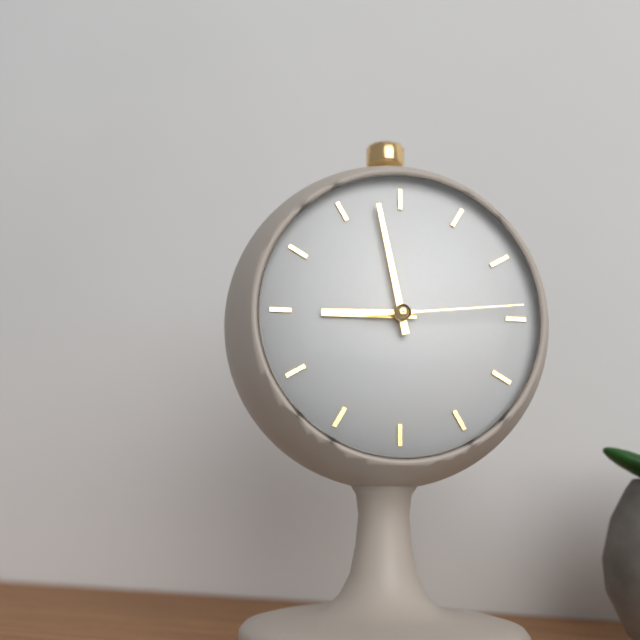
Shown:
**8:58:14**
